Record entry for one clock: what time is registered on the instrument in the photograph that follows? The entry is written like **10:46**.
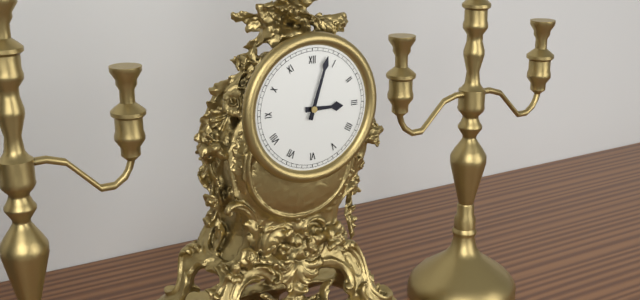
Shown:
**3:03**
